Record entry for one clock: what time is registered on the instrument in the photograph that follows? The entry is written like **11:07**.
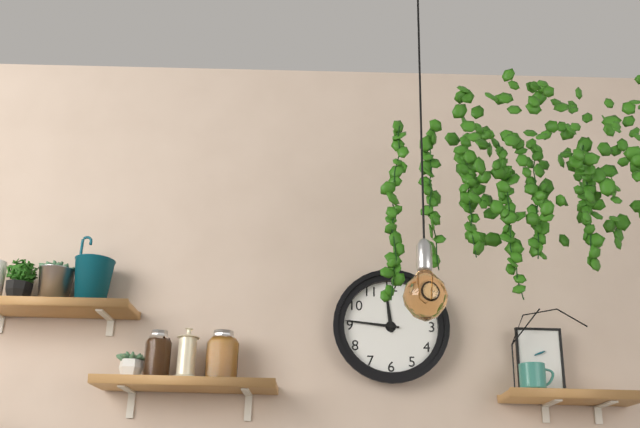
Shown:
**11:46**
